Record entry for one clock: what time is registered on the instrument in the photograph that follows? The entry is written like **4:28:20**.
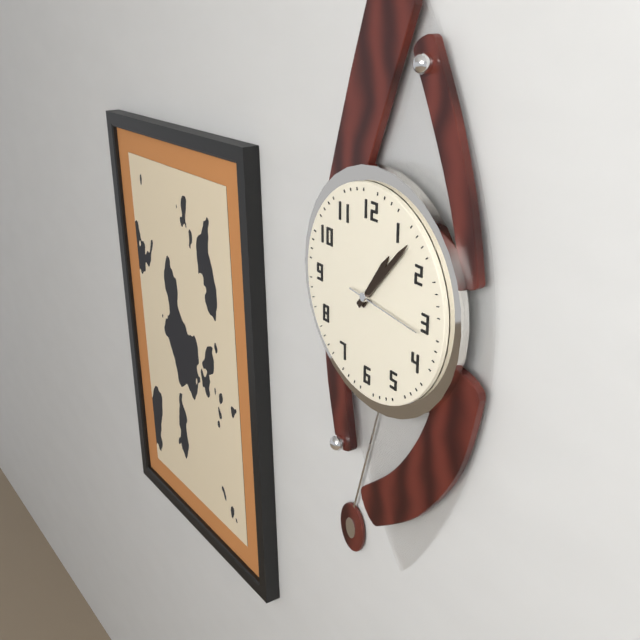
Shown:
**1:07:16**
